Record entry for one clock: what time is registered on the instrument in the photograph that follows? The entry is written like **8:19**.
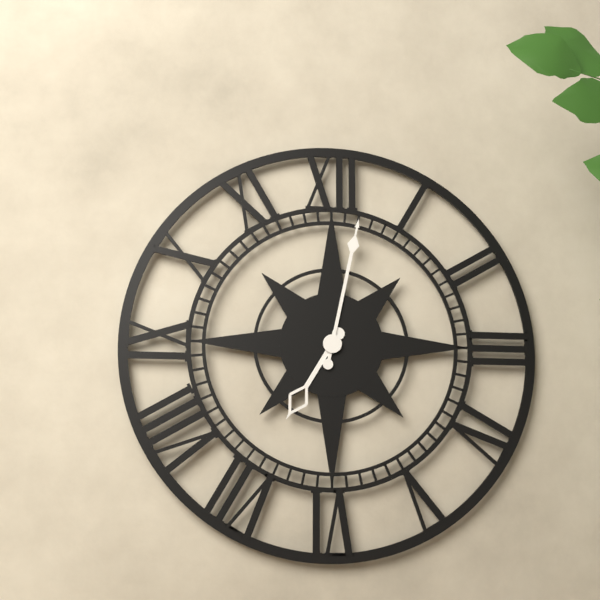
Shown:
**7:02**
